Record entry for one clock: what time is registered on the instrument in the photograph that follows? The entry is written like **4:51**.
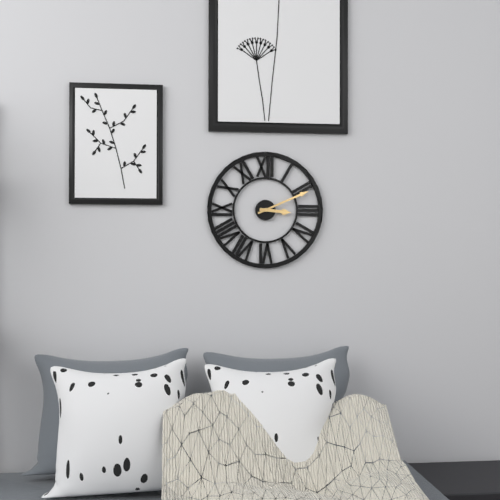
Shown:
**3:11**
